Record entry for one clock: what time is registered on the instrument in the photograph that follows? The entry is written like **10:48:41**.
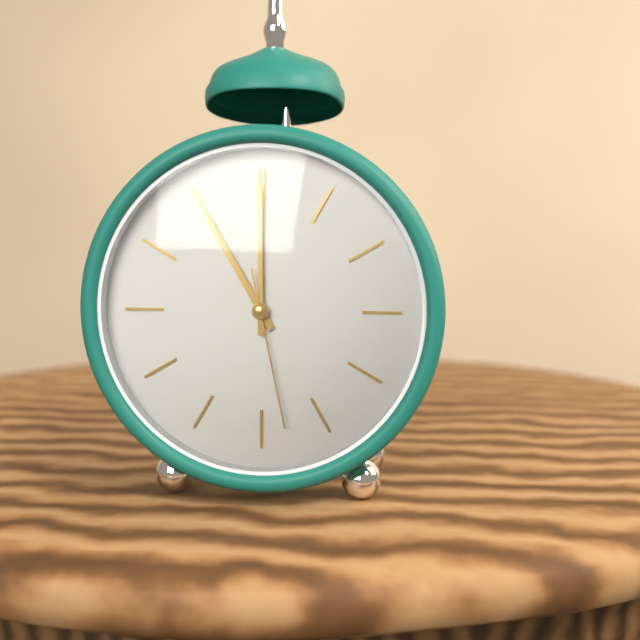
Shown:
**11:00:28**
